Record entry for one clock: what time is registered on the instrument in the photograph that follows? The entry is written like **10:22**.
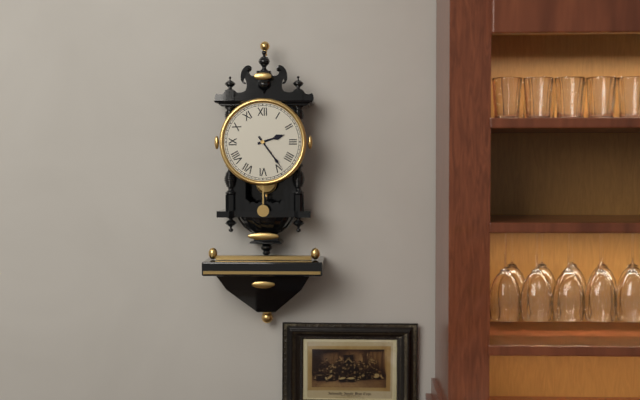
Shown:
**2:24**
